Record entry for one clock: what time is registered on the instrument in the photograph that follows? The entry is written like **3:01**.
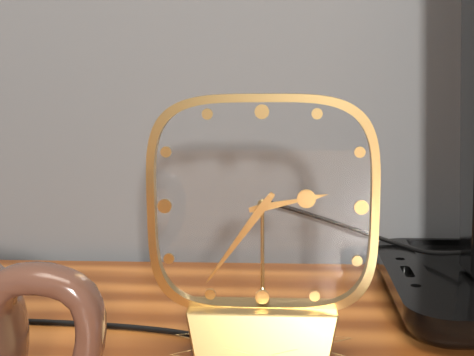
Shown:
**2:36**
